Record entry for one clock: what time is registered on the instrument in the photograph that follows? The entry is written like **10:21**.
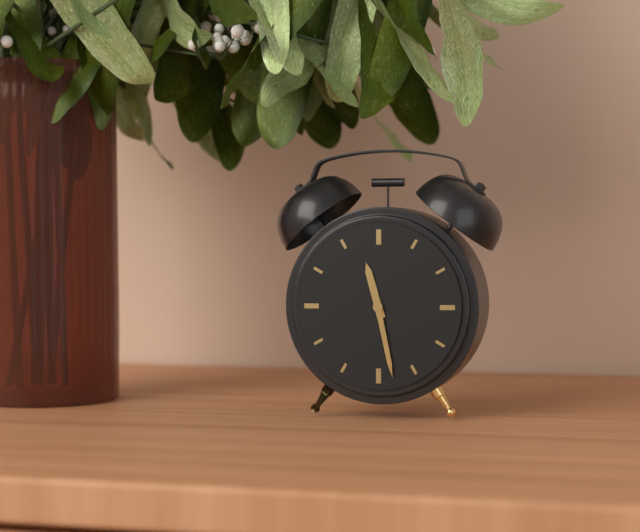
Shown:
**11:28**
